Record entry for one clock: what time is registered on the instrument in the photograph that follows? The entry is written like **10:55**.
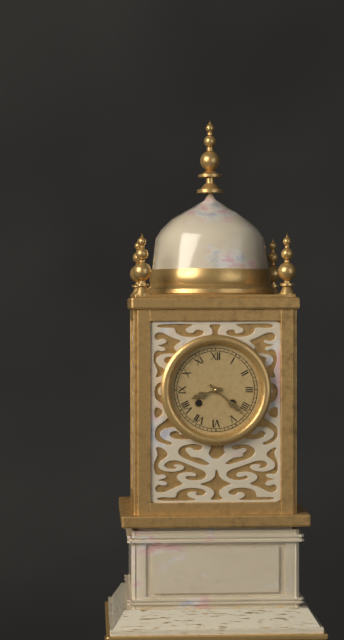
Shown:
**8:22**
